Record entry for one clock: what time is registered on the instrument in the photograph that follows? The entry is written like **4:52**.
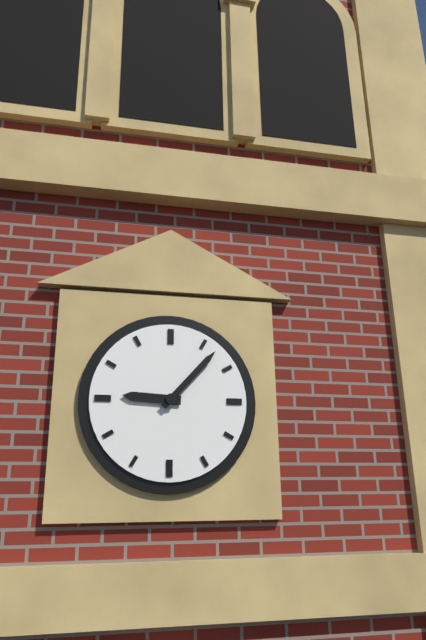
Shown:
**9:07**
